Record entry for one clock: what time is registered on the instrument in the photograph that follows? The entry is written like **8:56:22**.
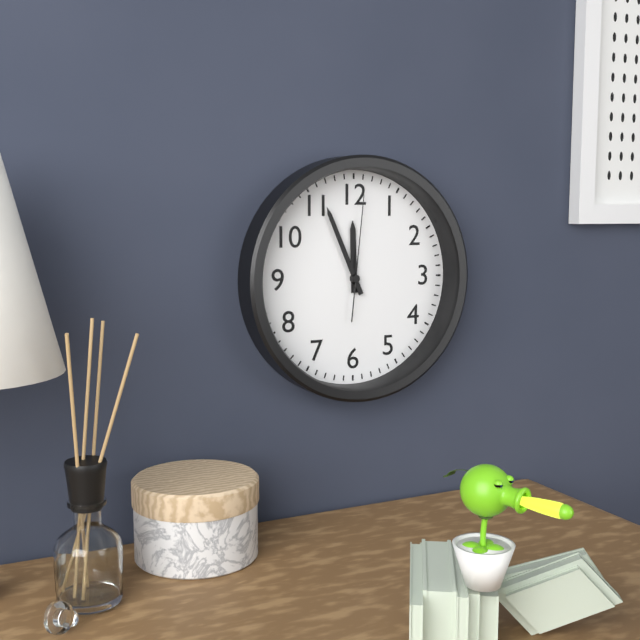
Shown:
**11:56:01**
